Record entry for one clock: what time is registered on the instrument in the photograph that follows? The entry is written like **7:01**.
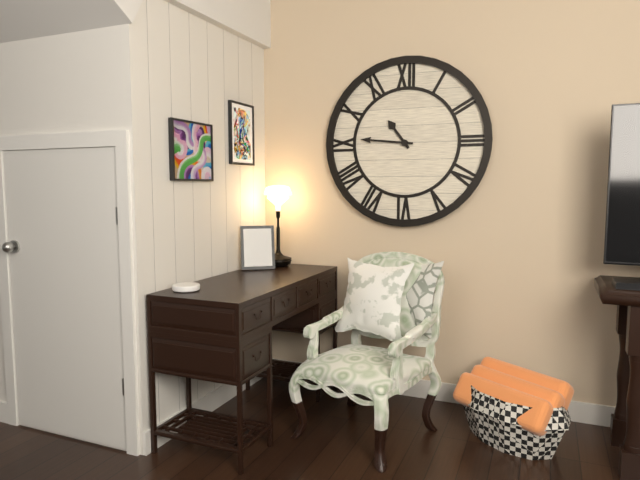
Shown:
**10:46**
